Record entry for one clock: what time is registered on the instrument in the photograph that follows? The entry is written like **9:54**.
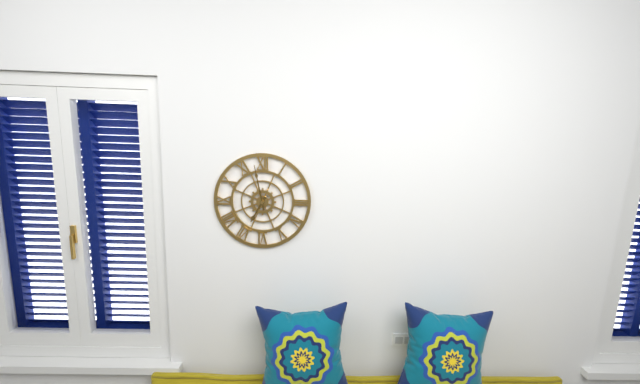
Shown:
**6:58**
